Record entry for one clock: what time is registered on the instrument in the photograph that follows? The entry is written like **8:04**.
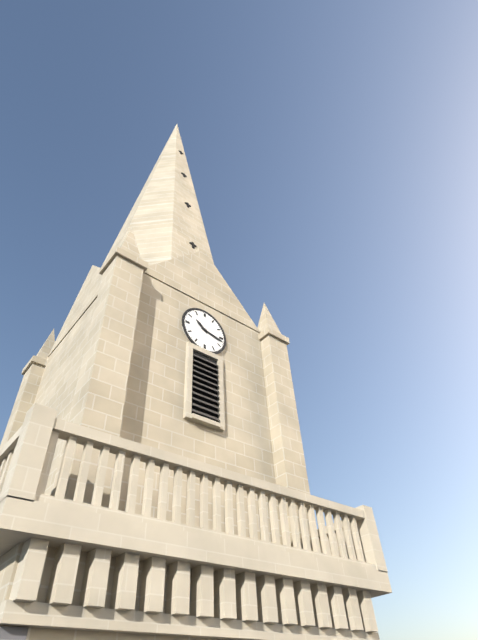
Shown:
**10:17**
